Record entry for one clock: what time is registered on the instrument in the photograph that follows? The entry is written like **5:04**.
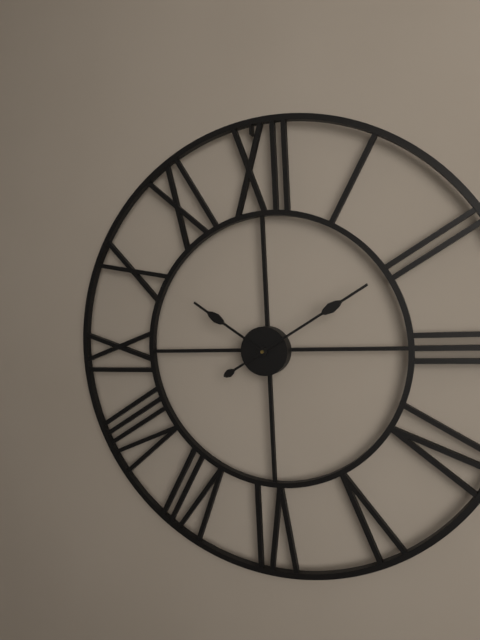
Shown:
**10:10**
